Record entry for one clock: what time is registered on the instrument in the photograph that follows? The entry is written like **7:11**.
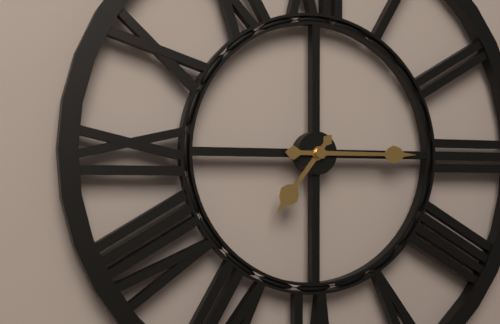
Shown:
**7:15**
